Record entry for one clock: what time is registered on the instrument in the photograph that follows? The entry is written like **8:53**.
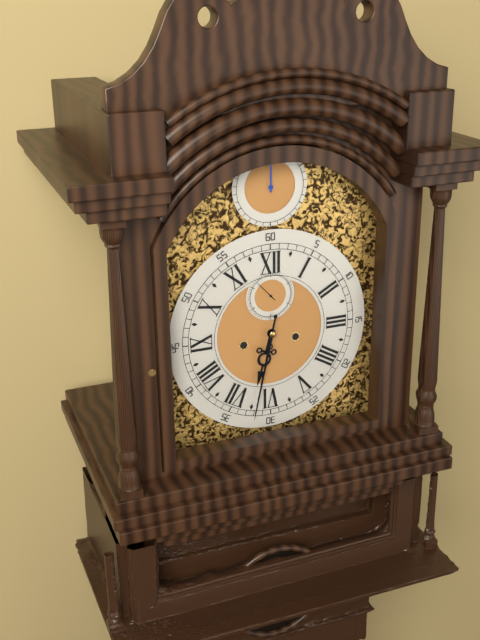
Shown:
**6:32**
